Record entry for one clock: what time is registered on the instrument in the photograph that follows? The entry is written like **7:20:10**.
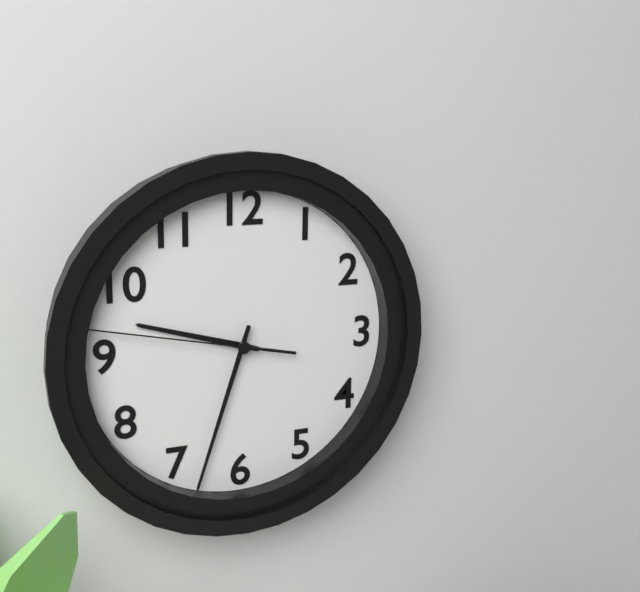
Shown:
**9:33:47**
